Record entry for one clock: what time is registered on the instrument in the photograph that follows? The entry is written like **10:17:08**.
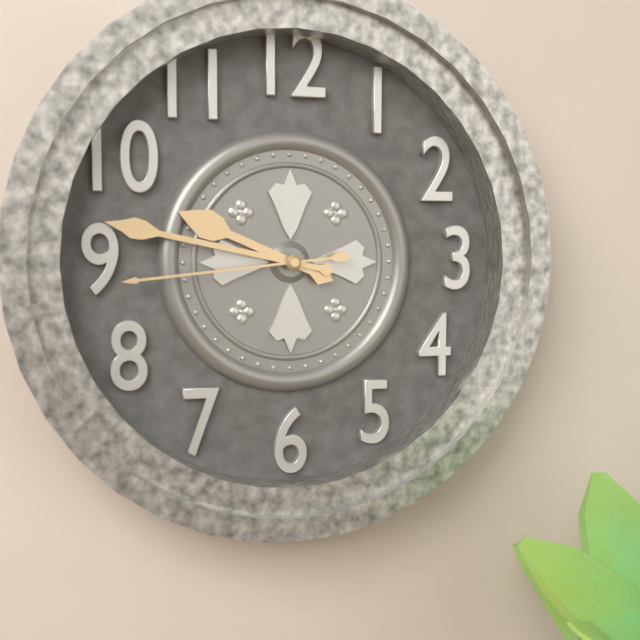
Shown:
**9:47:44**
